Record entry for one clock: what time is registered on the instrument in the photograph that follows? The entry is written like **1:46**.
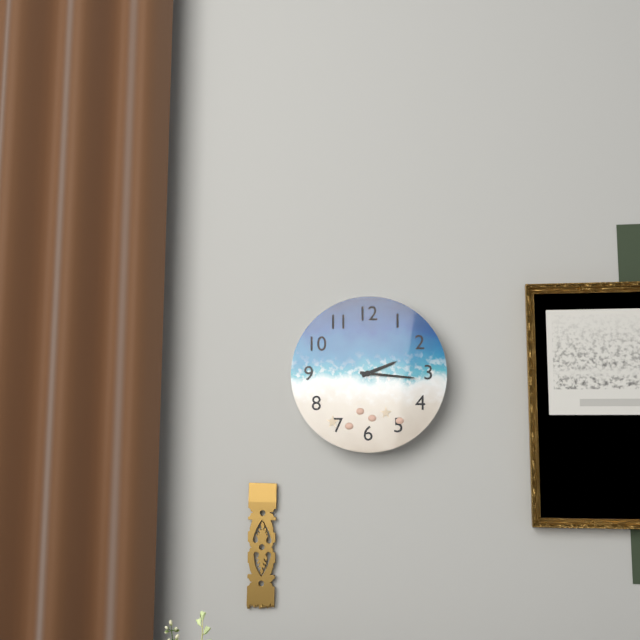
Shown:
**2:16**
